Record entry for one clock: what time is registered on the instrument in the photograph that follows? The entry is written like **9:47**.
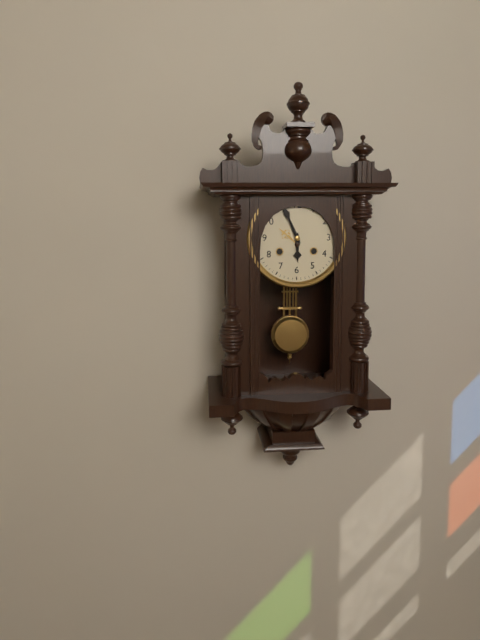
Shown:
**5:56**
